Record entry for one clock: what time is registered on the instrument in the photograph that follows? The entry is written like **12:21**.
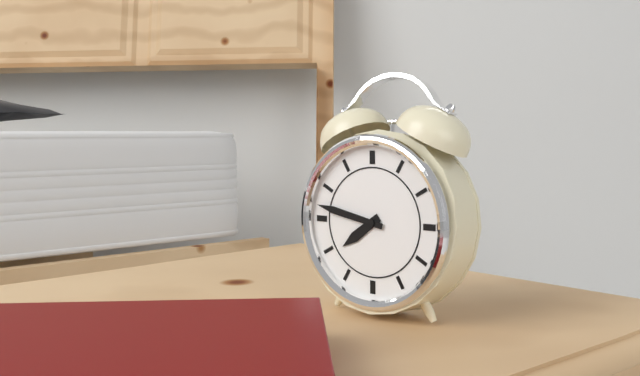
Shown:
**7:47**
